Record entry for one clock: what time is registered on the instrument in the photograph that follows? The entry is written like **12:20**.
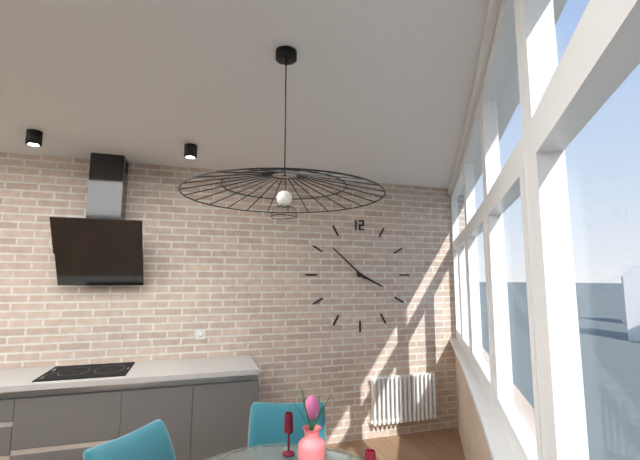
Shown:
**3:52**
